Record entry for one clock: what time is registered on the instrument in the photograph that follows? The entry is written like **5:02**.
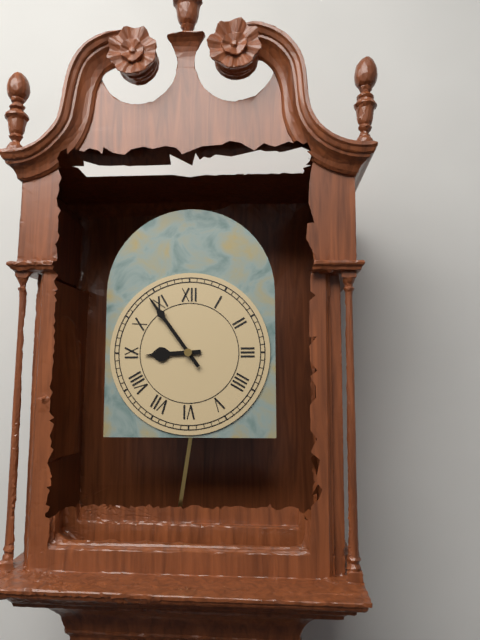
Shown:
**8:54**
